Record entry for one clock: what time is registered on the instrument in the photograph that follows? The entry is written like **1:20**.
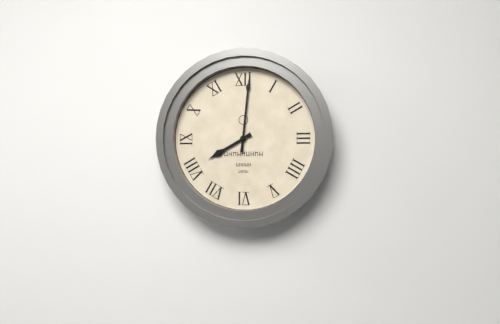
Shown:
**8:01**
